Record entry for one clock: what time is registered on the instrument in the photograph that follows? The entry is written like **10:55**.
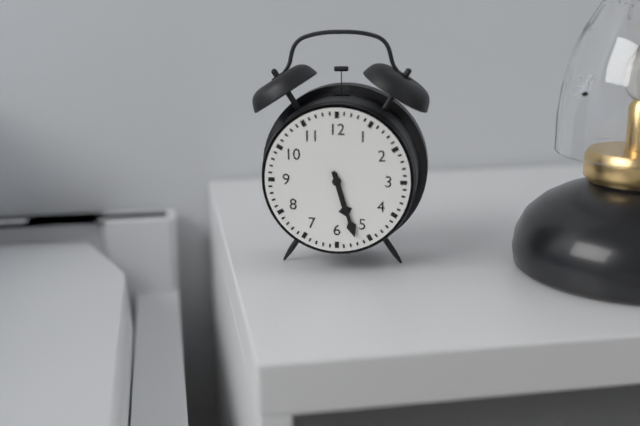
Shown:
**5:27**
